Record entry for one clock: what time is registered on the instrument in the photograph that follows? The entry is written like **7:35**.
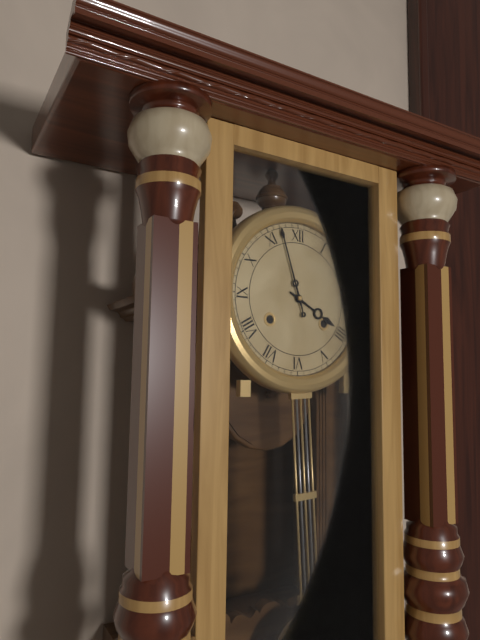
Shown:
**3:57**
